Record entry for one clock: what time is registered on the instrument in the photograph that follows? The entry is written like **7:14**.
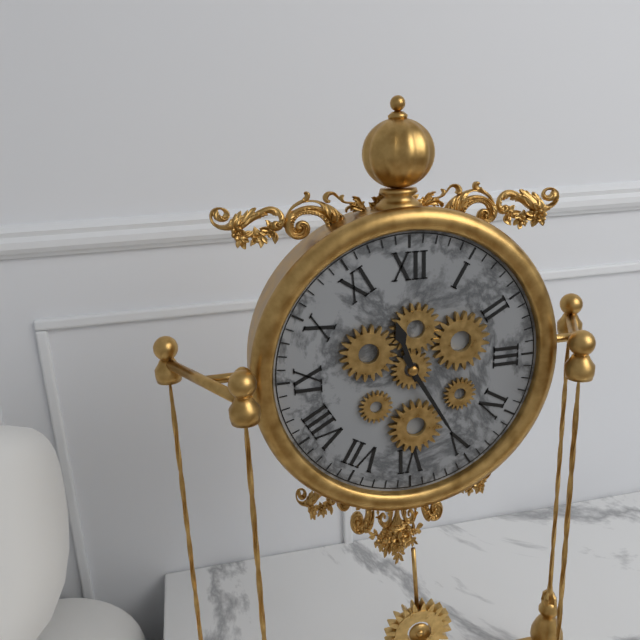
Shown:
**11:25**
